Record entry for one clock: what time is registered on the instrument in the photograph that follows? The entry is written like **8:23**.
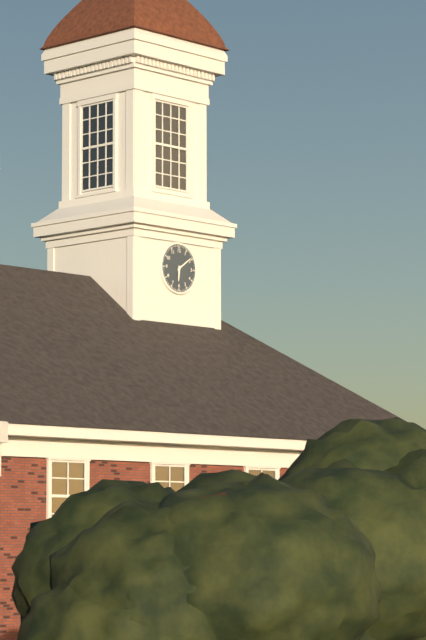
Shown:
**6:09**
